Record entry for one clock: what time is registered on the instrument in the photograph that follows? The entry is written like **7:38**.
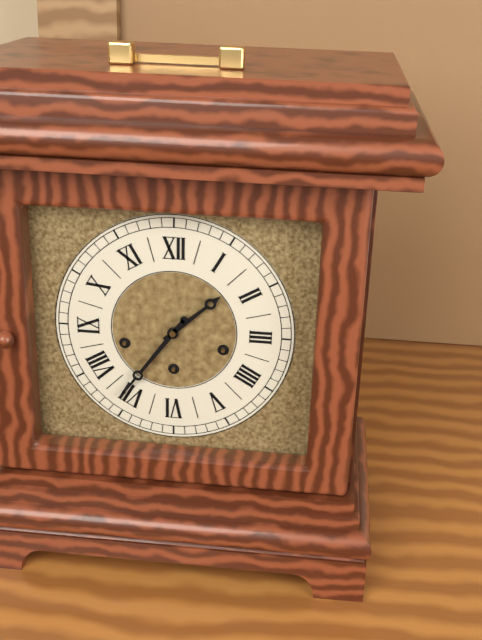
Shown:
**1:36**
